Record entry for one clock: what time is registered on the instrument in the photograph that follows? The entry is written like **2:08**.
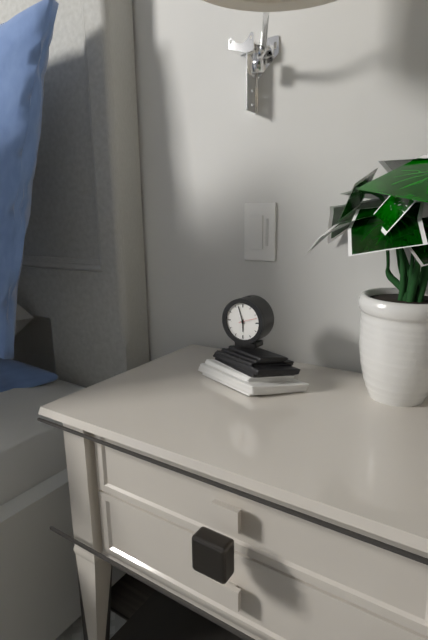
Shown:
**5:57**
